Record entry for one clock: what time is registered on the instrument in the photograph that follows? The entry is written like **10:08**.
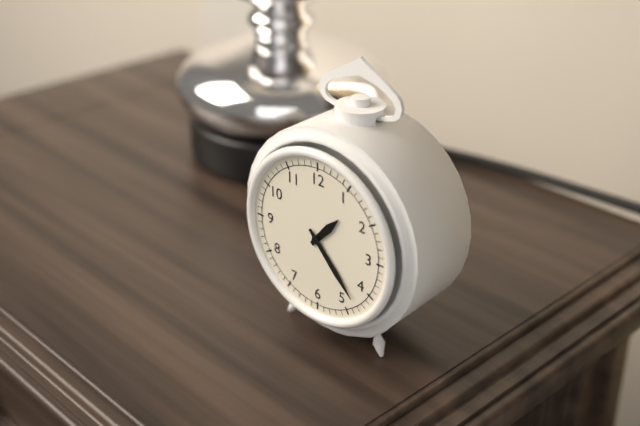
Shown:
**1:23**
